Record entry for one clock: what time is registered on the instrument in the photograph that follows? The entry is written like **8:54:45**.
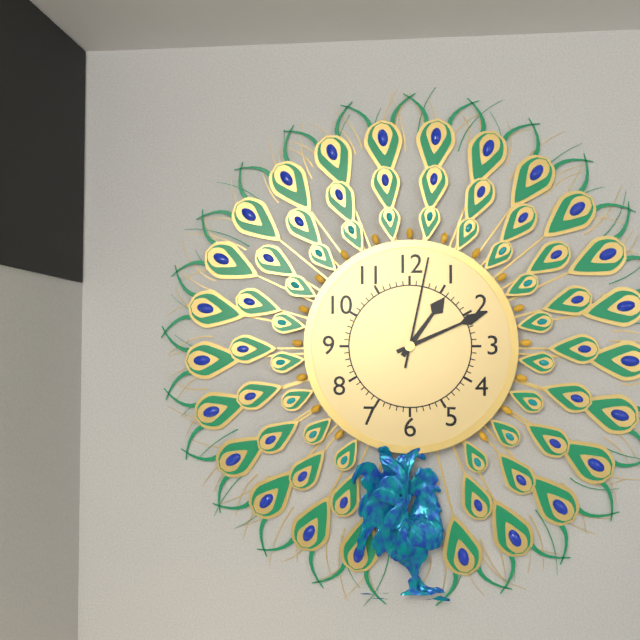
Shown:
**1:11:02**
